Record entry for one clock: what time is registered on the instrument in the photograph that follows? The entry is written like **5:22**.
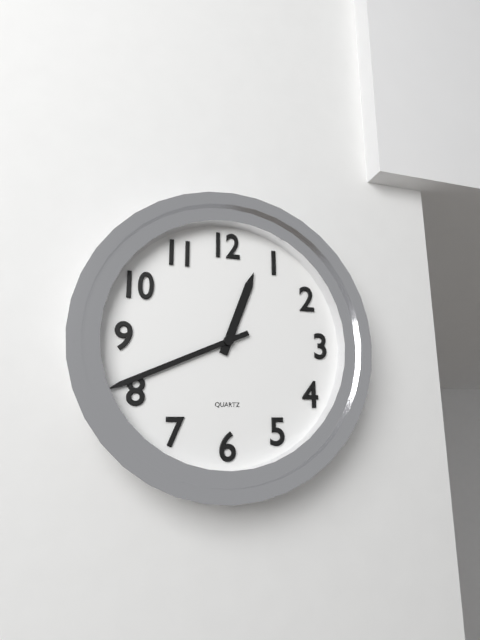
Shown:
**12:41**
